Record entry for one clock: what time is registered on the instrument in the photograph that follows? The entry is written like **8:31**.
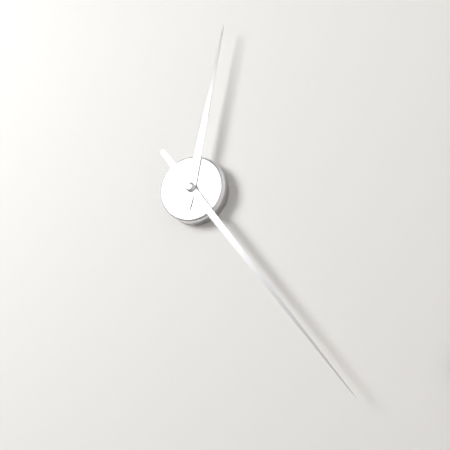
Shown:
**12:24**
